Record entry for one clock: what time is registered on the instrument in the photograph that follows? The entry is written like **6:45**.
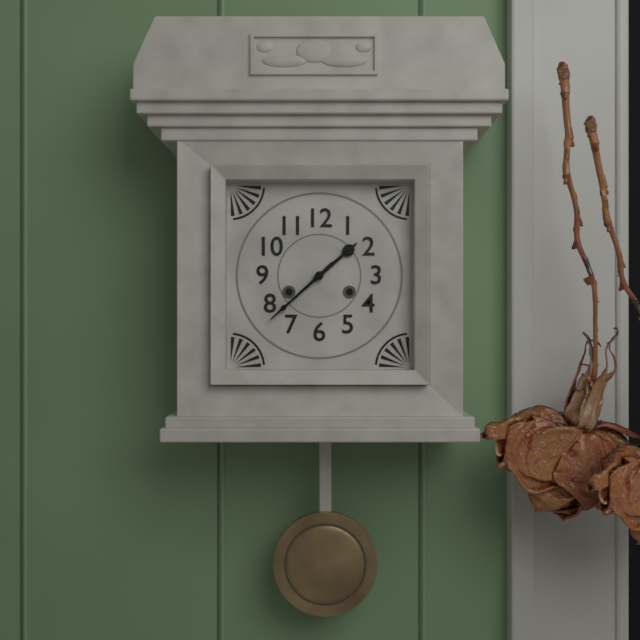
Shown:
**1:38**
